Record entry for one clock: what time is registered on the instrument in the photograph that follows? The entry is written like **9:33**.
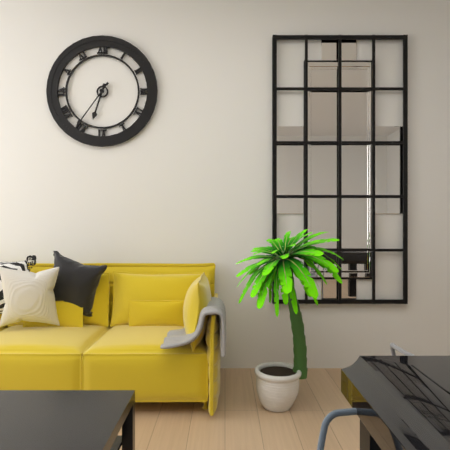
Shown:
**6:36**
